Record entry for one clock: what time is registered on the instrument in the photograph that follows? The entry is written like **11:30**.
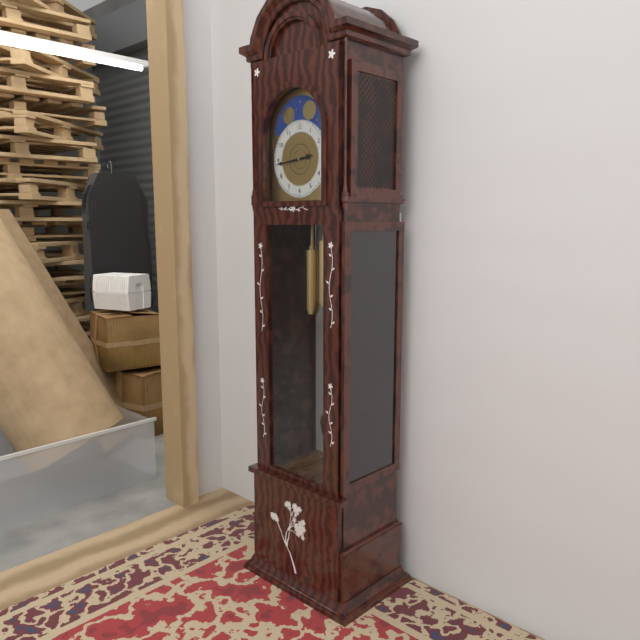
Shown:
**2:44**
